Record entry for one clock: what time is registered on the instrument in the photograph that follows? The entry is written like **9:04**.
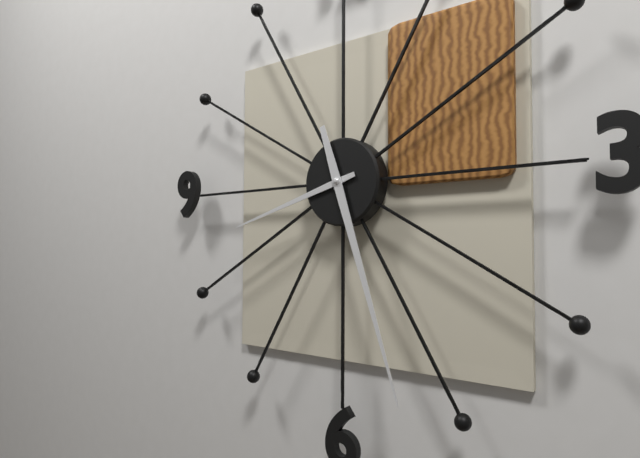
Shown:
**8:27**
